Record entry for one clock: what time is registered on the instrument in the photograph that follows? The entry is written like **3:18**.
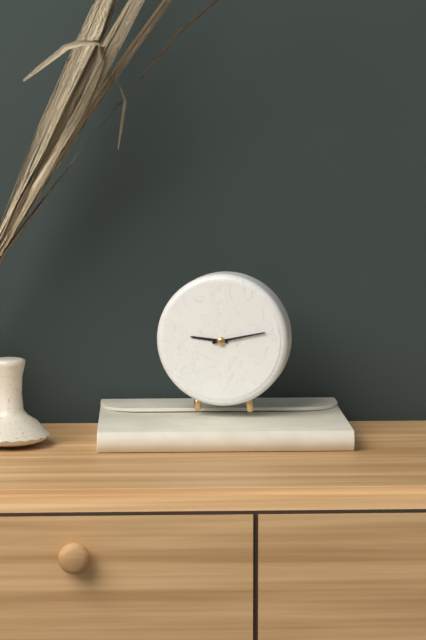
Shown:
**9:13**
